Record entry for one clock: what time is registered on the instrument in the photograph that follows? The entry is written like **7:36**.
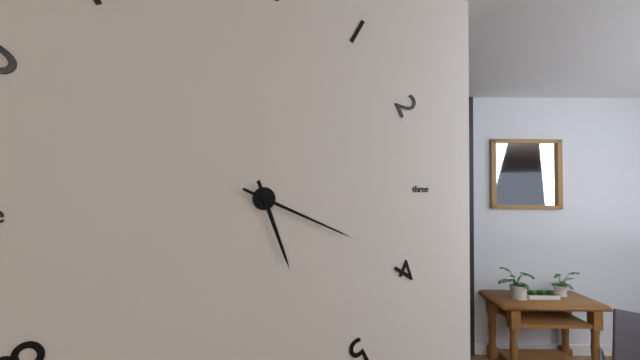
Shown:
**5:19**
